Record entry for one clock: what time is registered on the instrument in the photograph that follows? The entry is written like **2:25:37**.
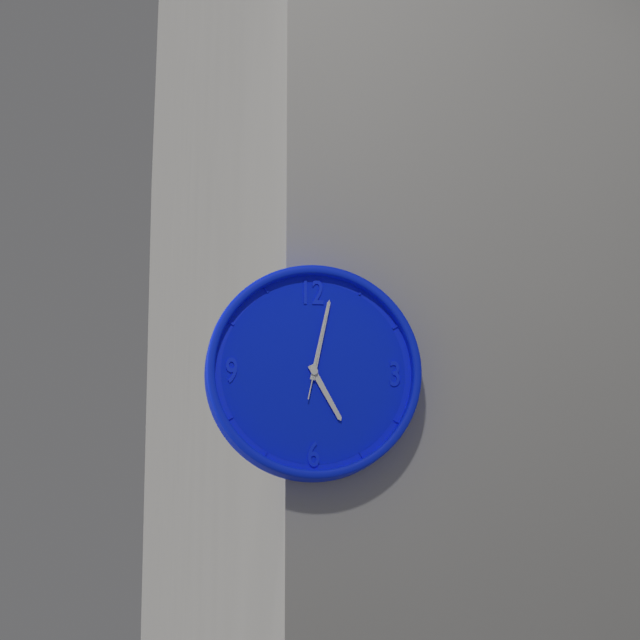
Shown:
**5:02:02**
